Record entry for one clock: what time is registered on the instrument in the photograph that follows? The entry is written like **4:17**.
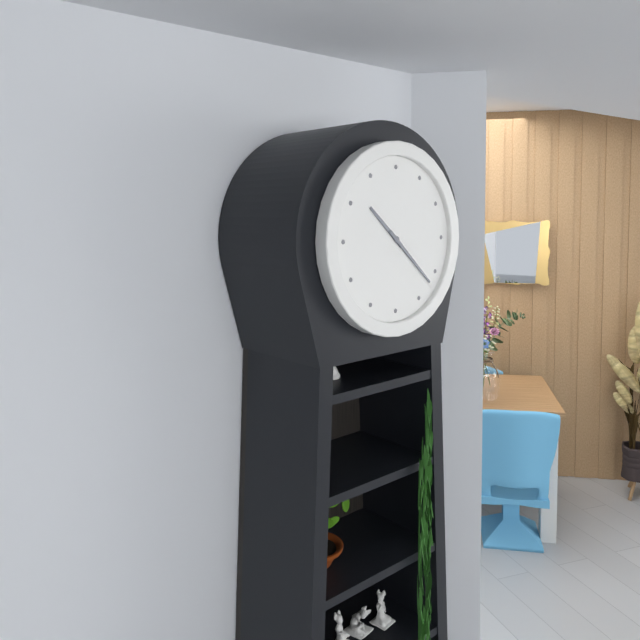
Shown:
**10:22**
